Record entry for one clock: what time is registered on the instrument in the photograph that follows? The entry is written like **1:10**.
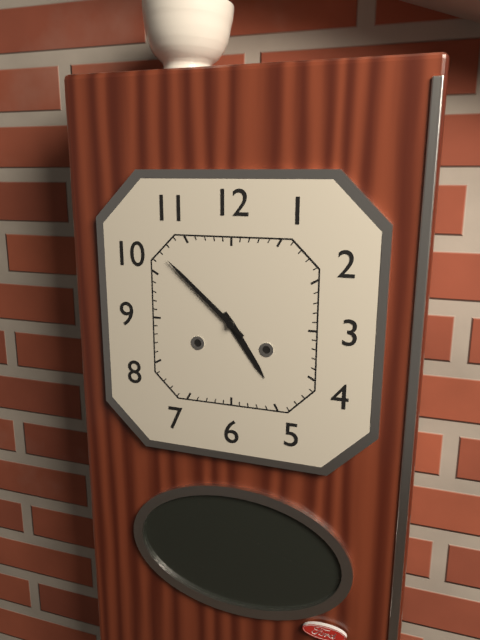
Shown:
**4:52**
